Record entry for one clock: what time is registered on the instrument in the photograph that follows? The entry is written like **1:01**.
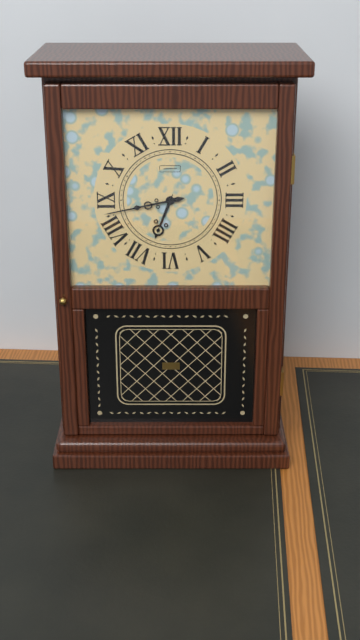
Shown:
**6:43**
